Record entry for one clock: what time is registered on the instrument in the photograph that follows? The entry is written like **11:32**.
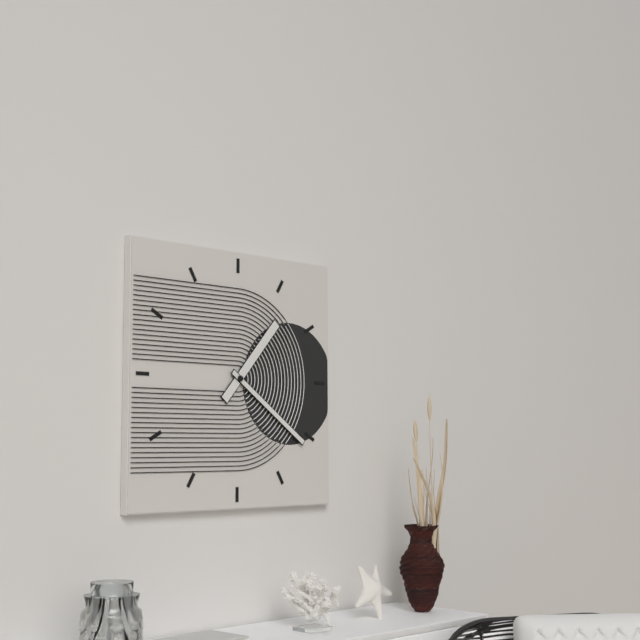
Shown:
**1:21**
